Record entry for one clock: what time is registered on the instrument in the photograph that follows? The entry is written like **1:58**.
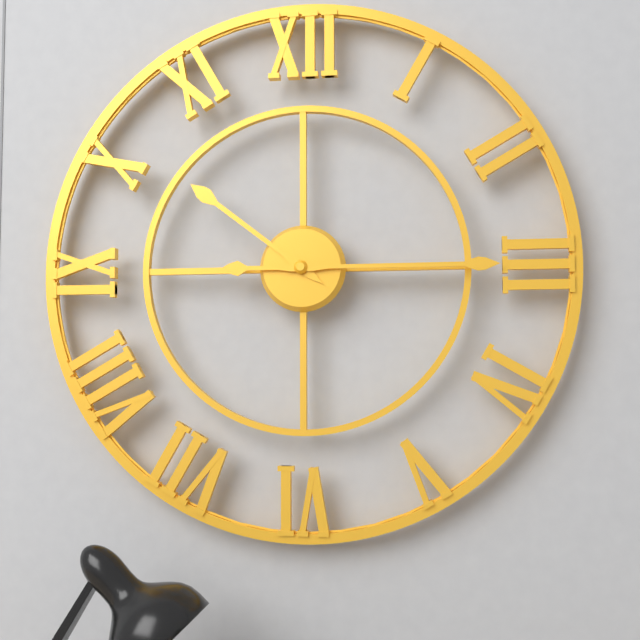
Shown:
**10:15**
